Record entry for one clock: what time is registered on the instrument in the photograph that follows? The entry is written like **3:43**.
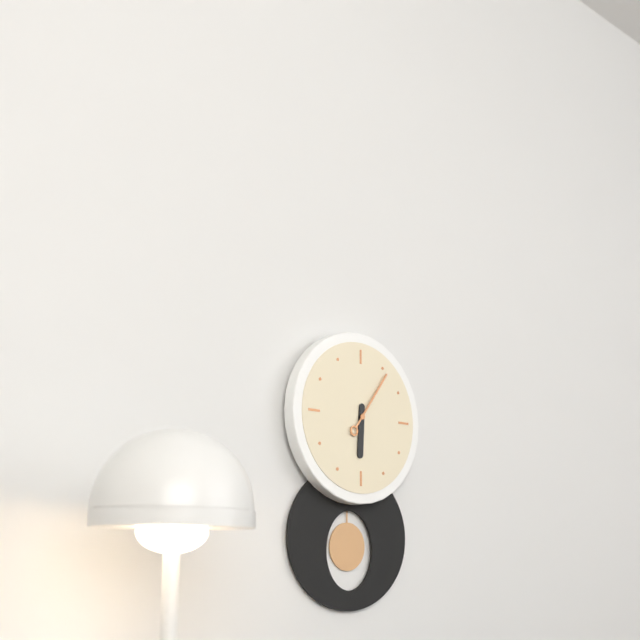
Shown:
**6:06**
